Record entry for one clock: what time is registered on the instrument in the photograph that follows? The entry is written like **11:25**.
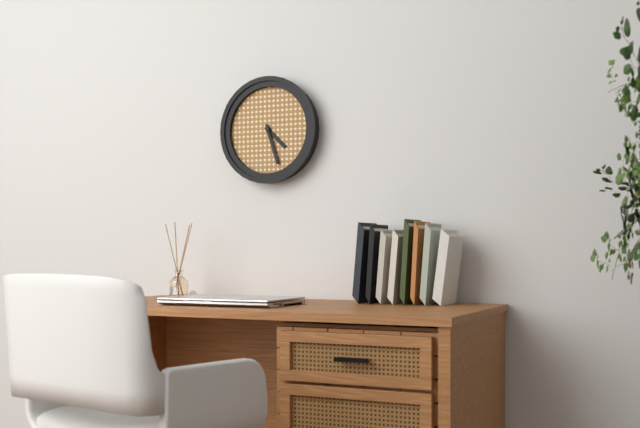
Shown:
**4:27**
